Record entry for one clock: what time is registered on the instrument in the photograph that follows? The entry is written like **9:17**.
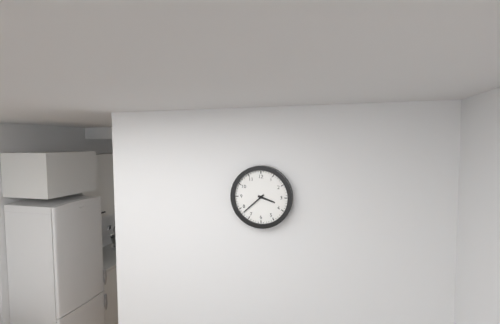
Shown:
**3:38**
